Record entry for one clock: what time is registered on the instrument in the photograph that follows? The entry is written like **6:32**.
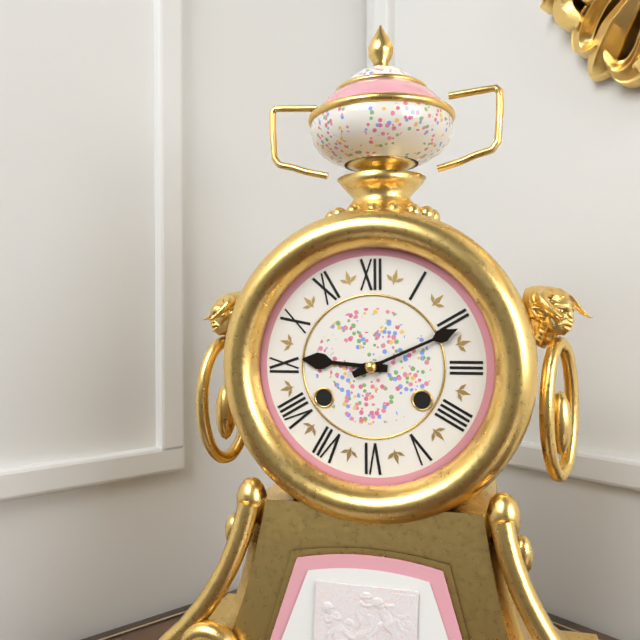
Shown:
**9:11**
